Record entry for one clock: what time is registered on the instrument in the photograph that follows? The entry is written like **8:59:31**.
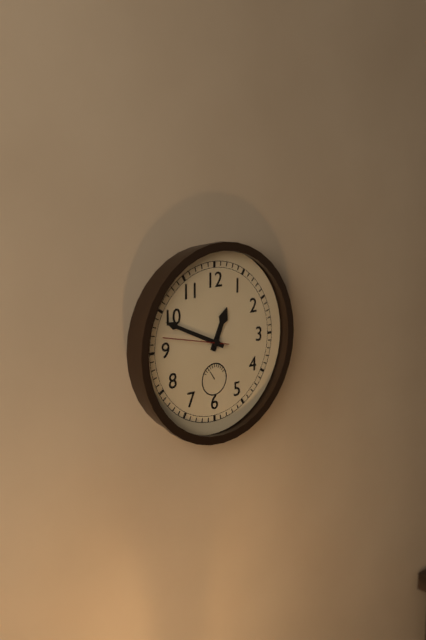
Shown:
**12:49:47**
